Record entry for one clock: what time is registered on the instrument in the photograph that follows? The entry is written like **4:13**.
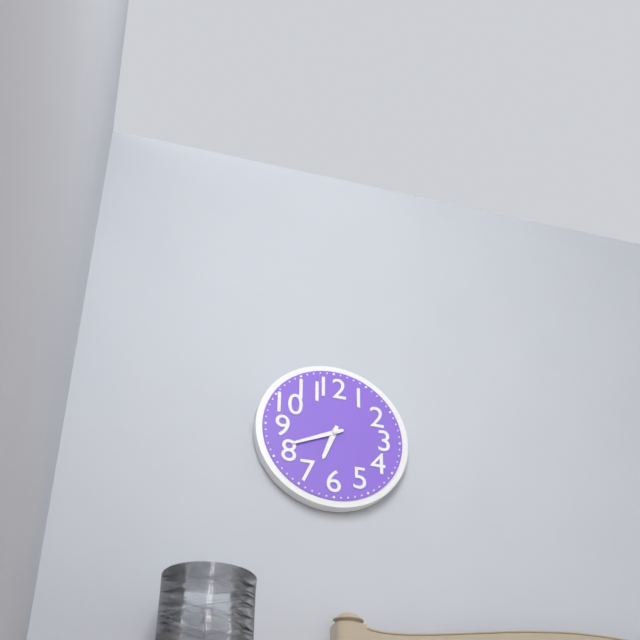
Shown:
**6:41**
